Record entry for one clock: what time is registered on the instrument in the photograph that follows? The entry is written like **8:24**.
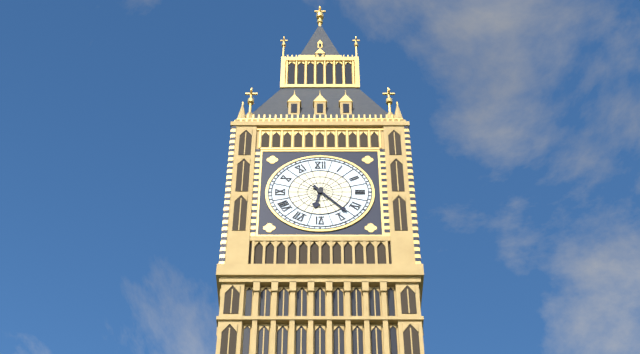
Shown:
**6:23**
